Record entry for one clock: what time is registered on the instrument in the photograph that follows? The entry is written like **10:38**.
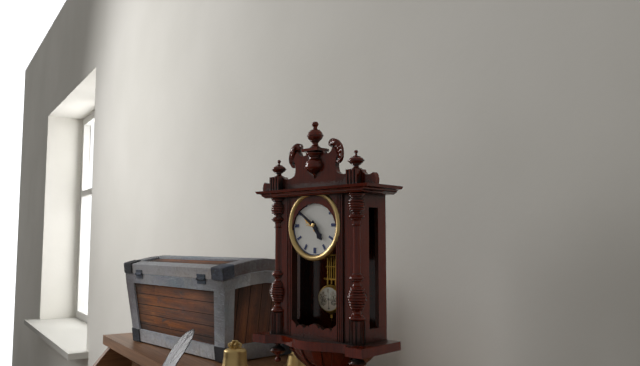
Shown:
**4:51**
